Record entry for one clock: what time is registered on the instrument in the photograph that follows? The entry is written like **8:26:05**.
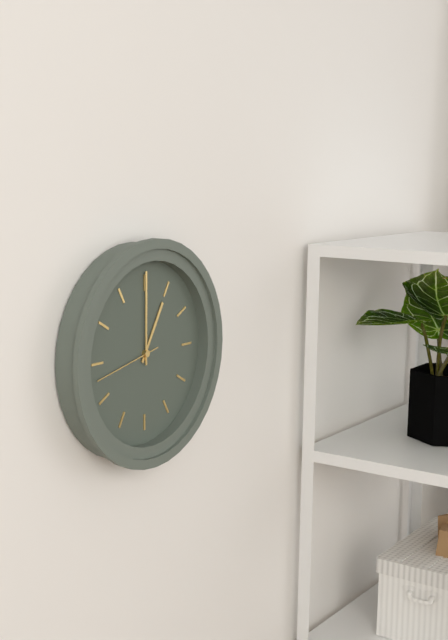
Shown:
**1:00:43**
